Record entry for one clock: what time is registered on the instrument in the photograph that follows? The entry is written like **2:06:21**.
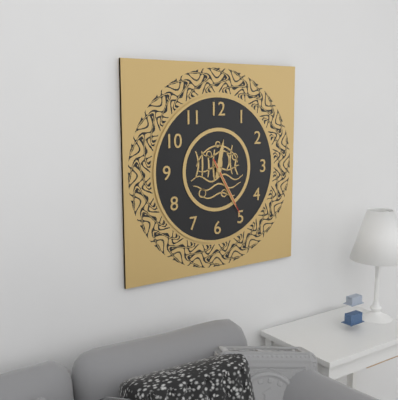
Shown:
**12:25:25**
